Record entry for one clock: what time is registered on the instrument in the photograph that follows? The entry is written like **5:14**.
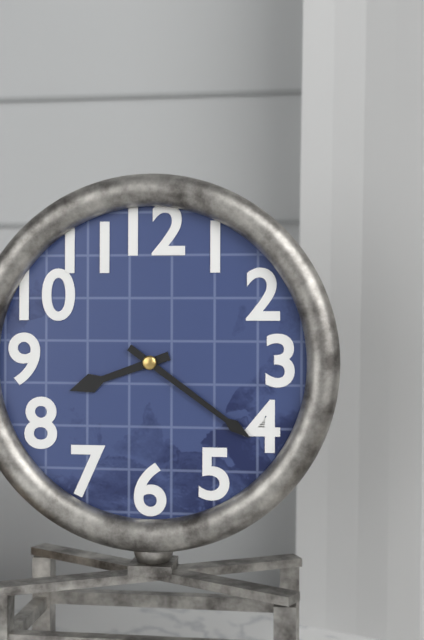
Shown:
**8:21**
